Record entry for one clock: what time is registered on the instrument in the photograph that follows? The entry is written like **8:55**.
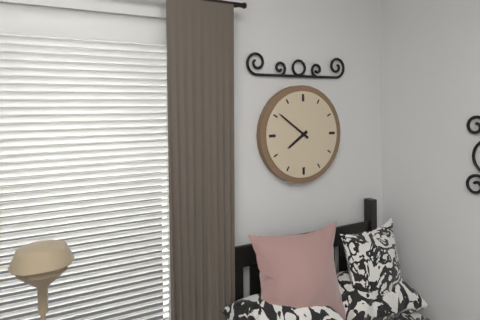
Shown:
**7:51**
